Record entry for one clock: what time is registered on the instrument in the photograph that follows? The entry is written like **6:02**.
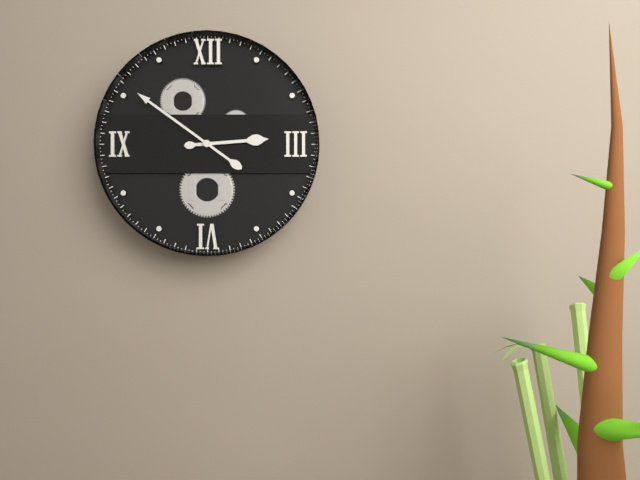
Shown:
**2:51**
